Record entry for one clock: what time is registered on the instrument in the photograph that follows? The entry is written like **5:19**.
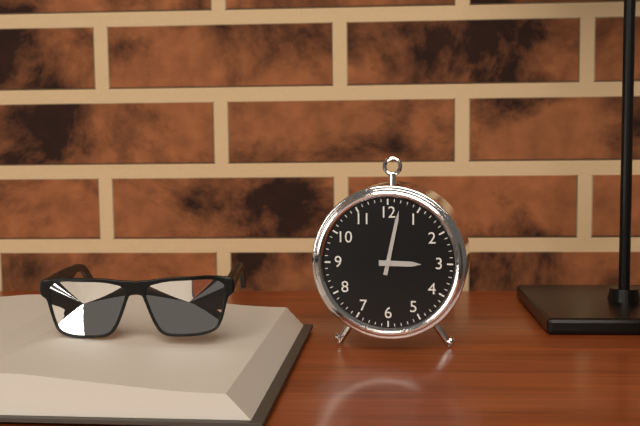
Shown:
**3:02**
